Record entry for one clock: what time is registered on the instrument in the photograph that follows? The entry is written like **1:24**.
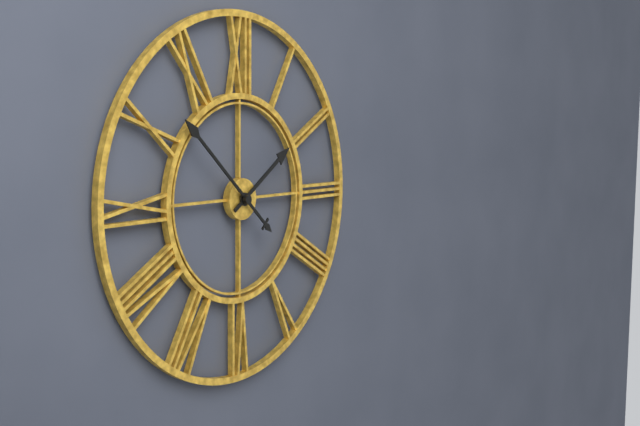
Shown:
**1:52**
